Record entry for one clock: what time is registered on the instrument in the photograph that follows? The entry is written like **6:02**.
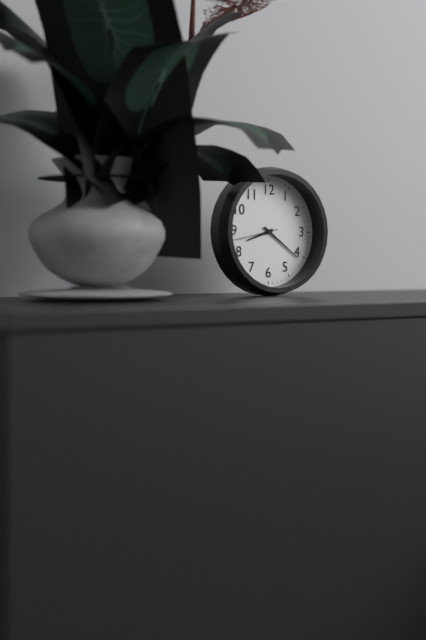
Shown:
**8:21**
